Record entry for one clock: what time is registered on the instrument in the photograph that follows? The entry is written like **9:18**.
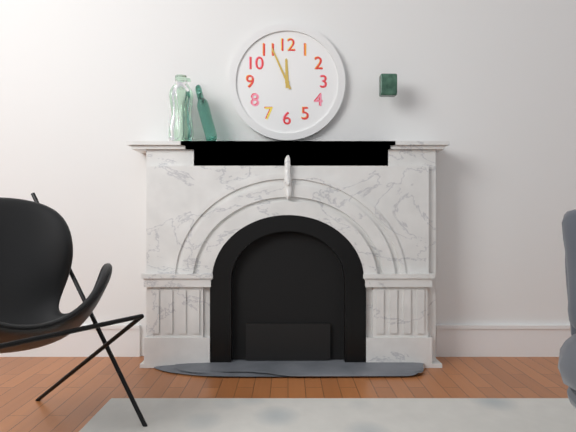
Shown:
**11:56**
